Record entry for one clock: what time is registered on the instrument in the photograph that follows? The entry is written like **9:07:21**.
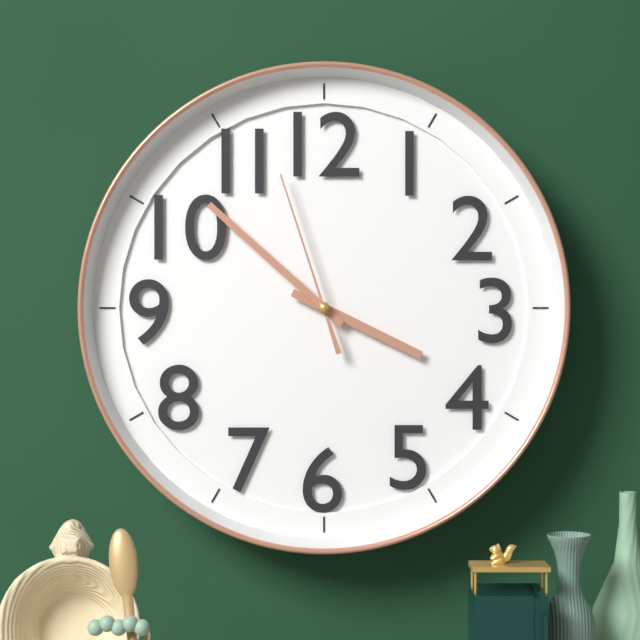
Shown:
**3:52:57**
